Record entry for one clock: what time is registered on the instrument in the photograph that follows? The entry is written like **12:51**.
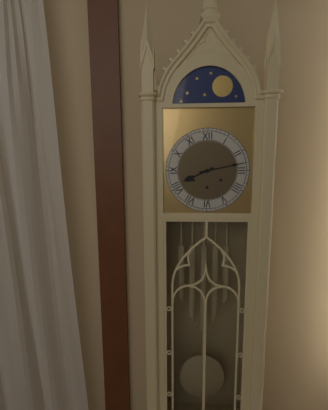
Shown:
**8:13**
